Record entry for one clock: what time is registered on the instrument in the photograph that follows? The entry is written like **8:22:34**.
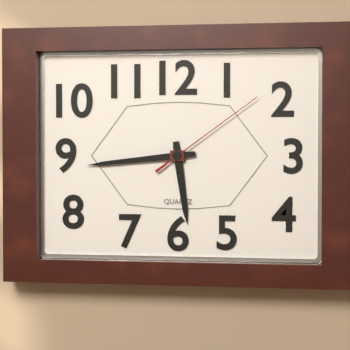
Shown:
**5:44:09**
